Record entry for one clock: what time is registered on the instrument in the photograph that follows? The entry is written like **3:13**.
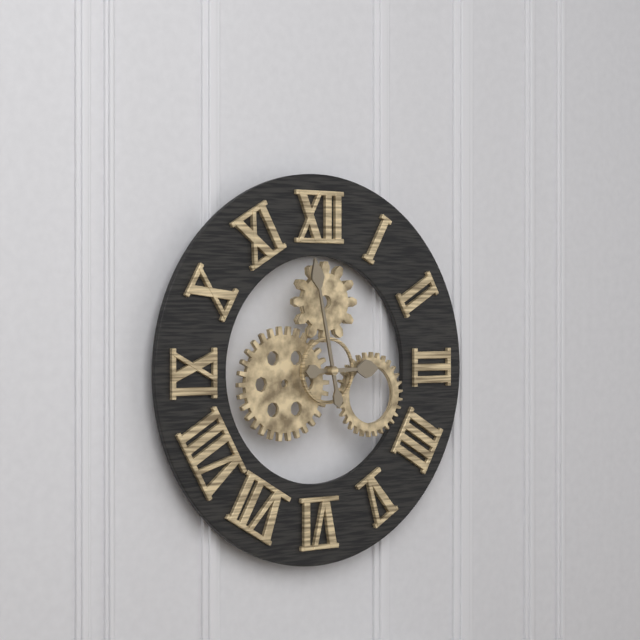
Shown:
**2:58**
